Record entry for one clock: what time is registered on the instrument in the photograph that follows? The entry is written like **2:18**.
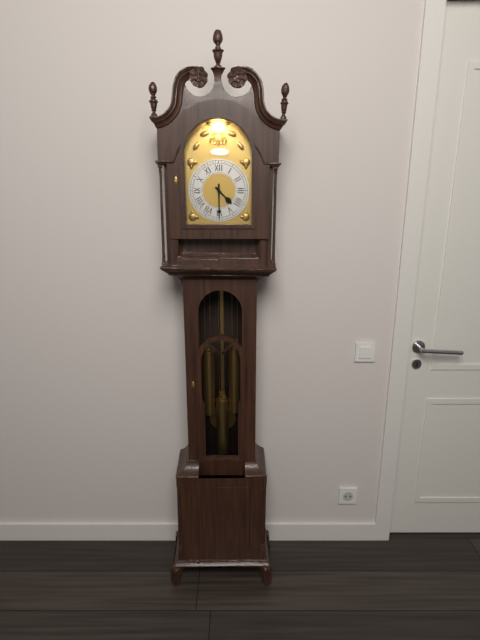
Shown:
**4:30**
